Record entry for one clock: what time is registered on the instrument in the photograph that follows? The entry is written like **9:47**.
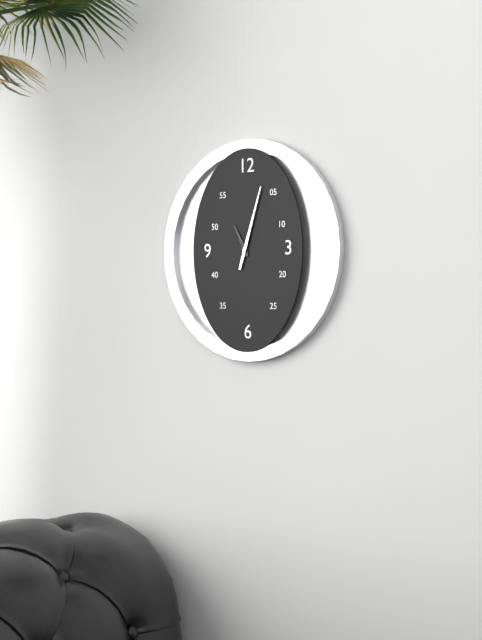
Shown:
**11:03**
